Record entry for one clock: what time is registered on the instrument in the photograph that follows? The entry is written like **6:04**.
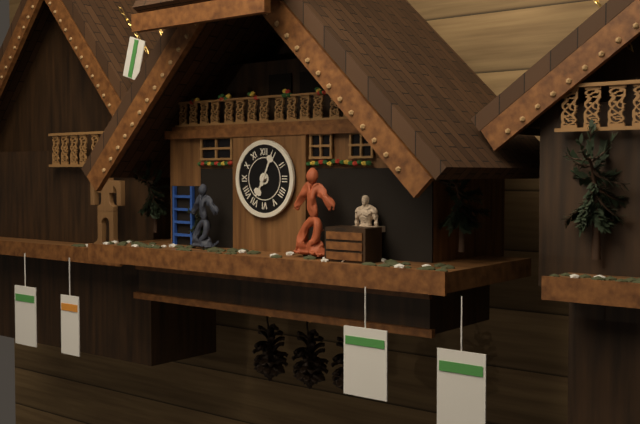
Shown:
**7:04**
